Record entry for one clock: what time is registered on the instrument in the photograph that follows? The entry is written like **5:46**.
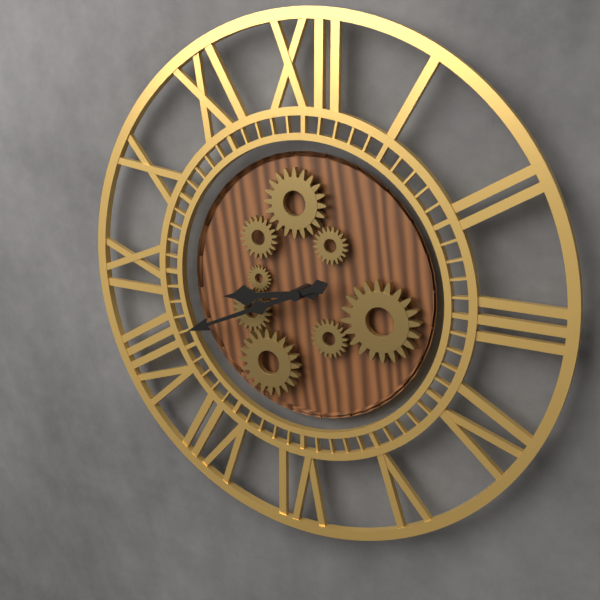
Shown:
**8:41**
